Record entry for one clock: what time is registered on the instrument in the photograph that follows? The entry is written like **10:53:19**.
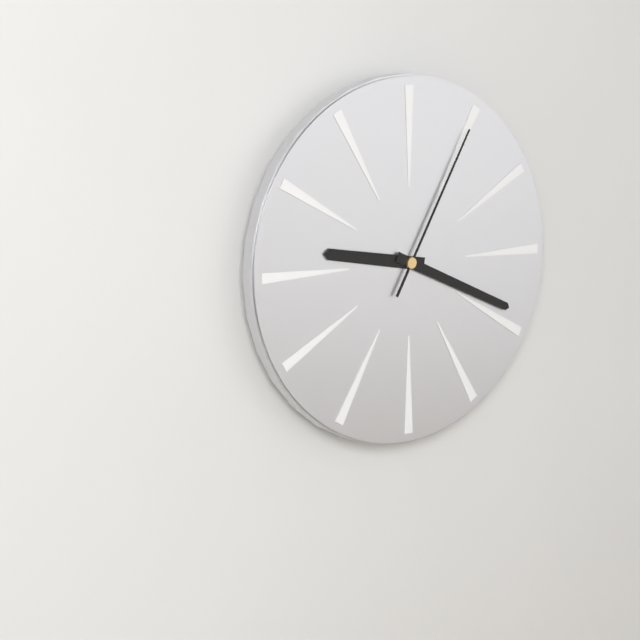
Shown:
**9:19:05**
